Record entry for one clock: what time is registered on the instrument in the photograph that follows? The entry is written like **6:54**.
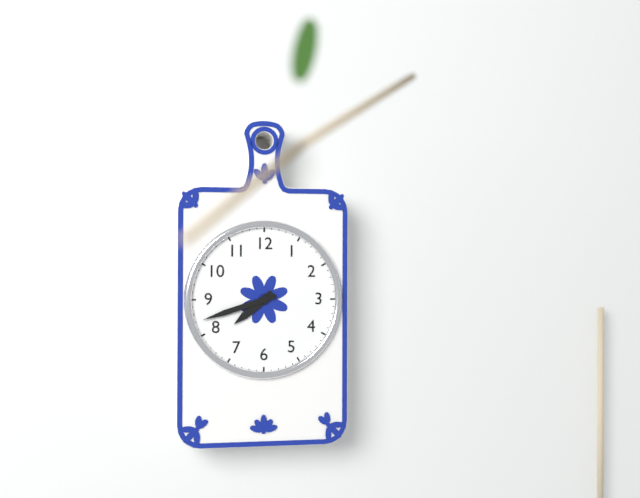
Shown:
**7:42**
